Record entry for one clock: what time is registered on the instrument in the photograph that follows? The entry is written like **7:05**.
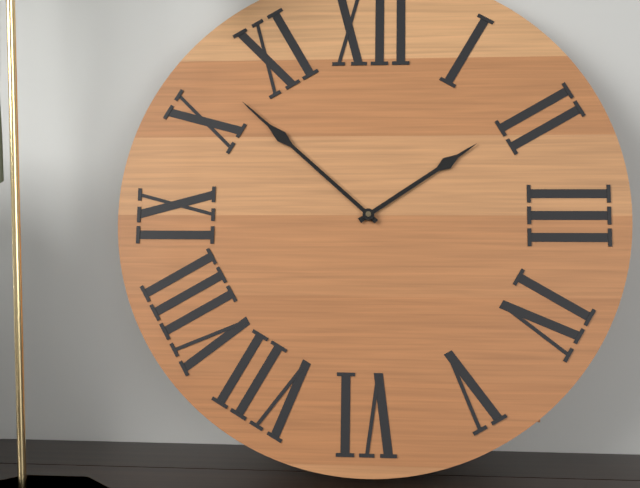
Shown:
**1:52**
